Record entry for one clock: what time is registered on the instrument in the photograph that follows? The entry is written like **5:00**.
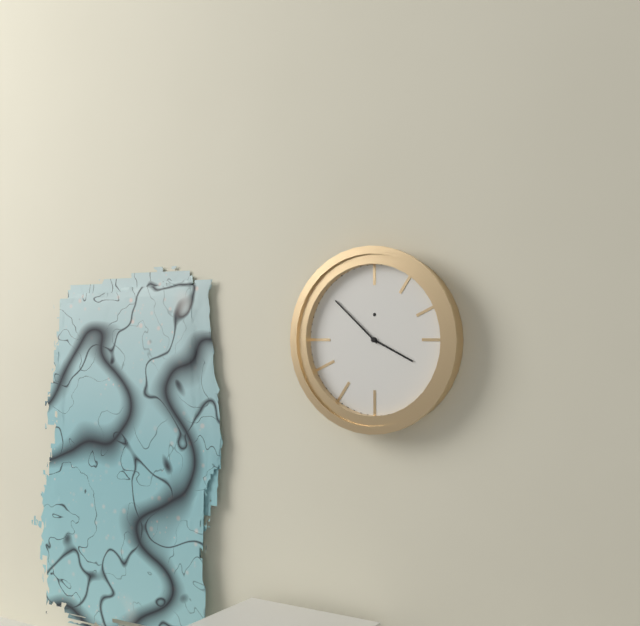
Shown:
**3:52**
